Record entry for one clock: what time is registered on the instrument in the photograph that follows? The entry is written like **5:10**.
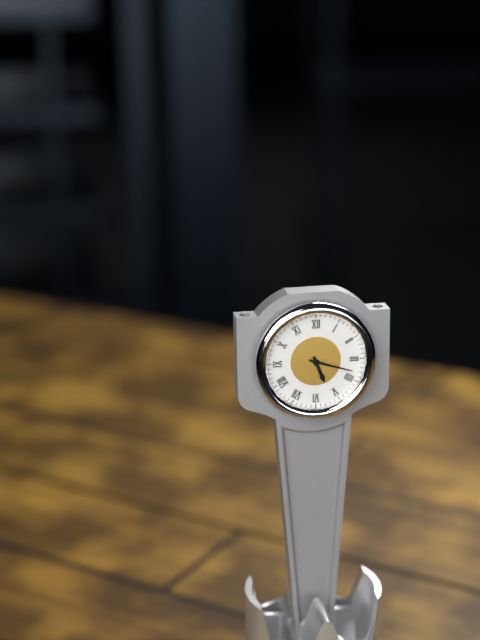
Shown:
**5:18**
